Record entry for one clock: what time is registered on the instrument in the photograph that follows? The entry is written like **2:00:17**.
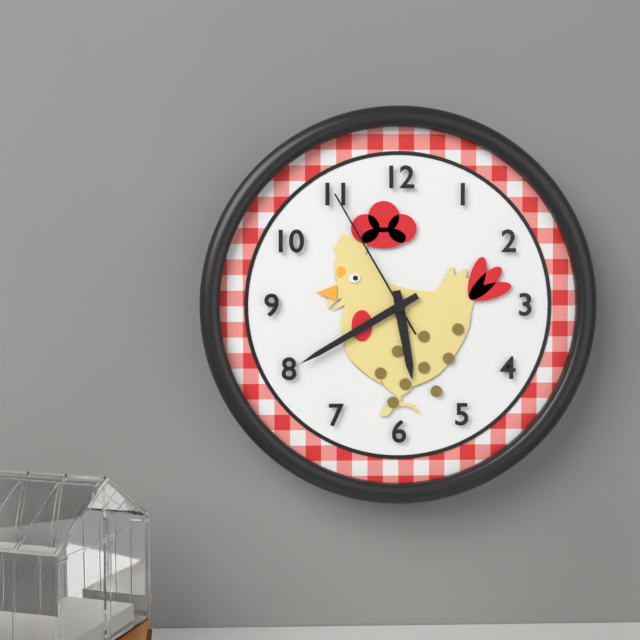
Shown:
**5:40:55**
